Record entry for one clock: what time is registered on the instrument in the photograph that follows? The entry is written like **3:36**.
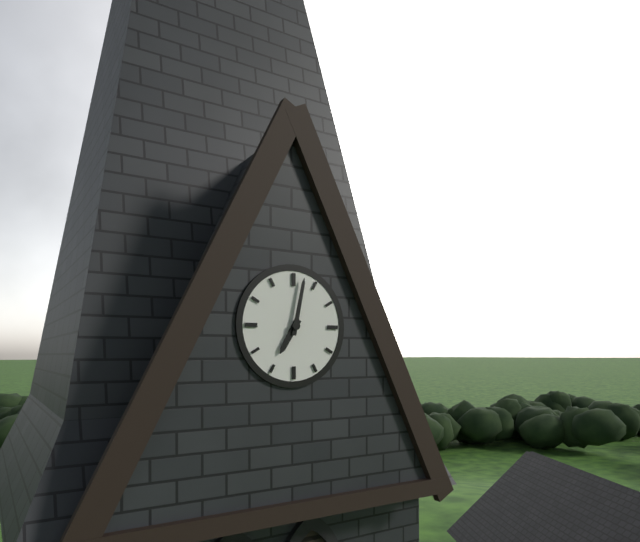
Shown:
**7:02**
